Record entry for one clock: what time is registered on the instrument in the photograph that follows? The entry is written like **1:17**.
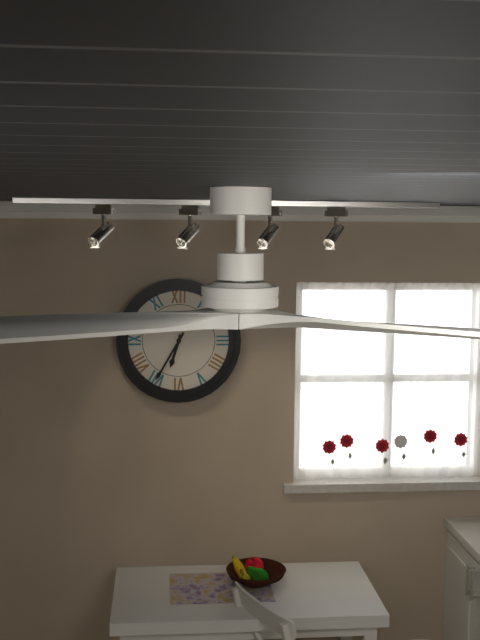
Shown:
**6:35**
